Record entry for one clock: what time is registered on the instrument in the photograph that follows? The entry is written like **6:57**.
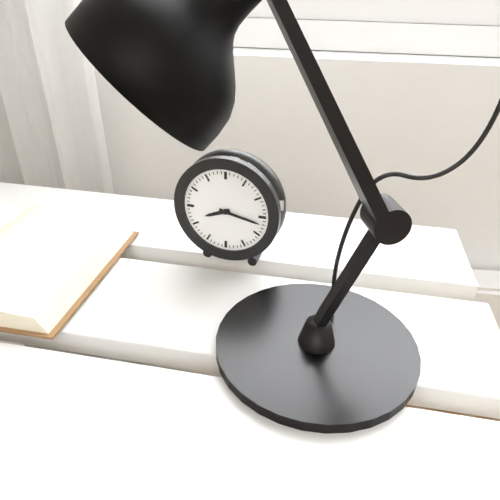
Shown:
**8:17**
